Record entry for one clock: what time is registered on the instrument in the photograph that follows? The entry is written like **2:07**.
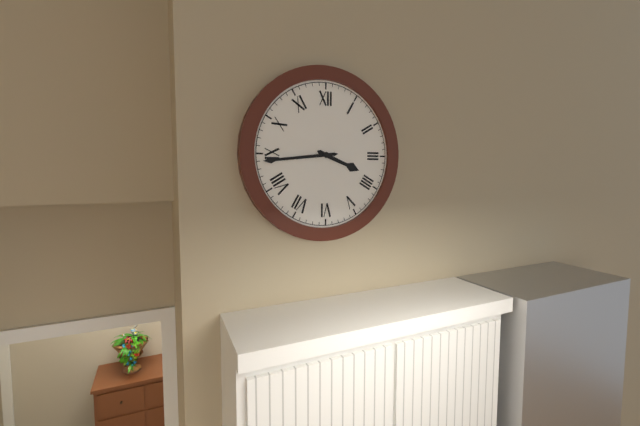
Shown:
**3:44**
